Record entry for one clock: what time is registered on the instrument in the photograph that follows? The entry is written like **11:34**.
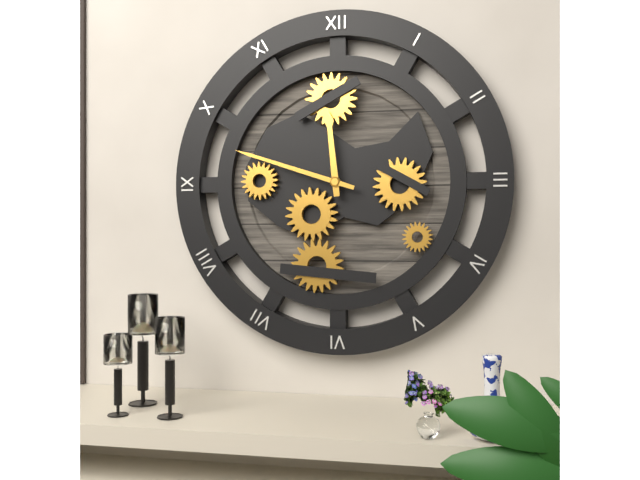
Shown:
**11:48**
